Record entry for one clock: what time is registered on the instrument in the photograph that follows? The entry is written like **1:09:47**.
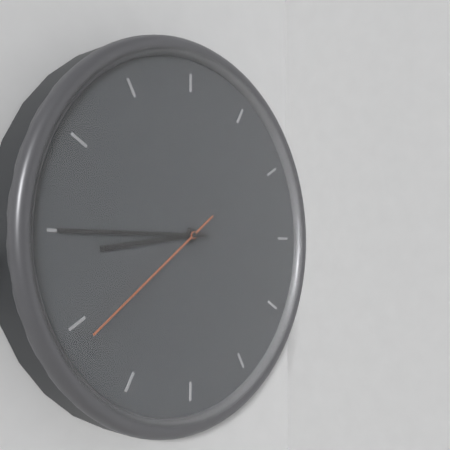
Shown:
**8:45:39**
